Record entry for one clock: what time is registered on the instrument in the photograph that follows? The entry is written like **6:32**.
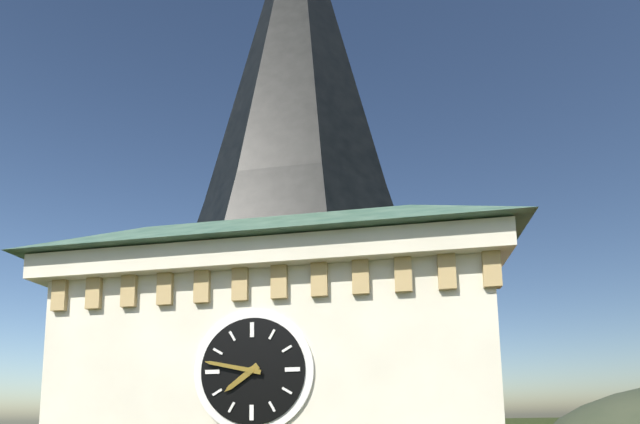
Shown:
**7:47**
